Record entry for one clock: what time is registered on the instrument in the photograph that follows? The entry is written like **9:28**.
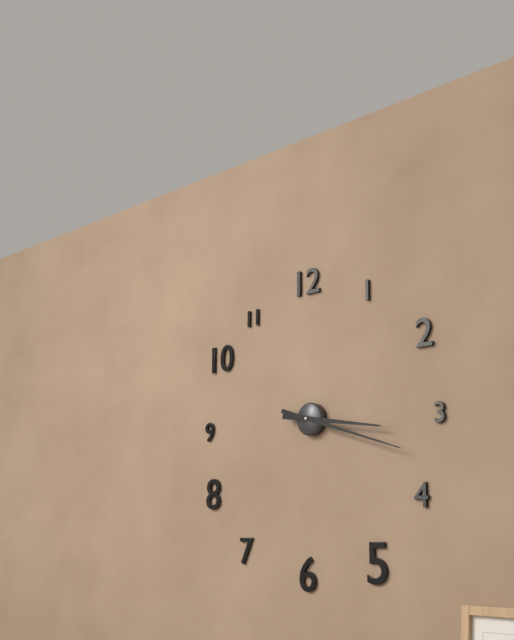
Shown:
**3:18**
